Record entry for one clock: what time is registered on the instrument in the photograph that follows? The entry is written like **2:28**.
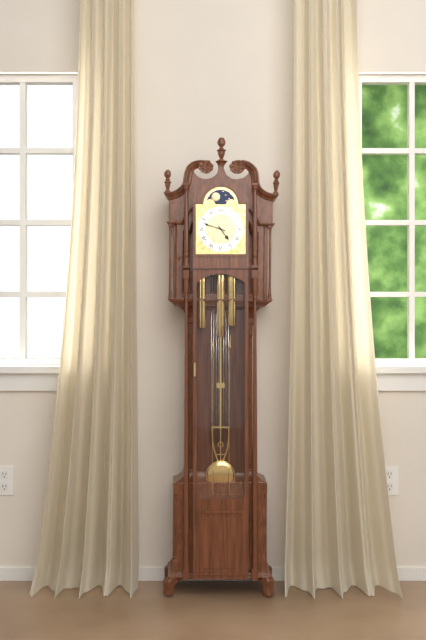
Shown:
**4:48**
